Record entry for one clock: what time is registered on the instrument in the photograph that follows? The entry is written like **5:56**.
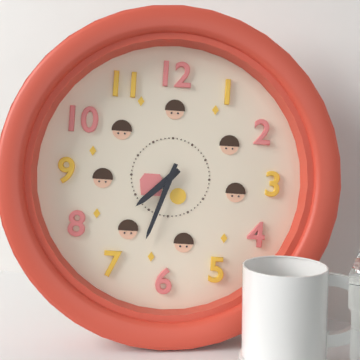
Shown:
**7:33**
